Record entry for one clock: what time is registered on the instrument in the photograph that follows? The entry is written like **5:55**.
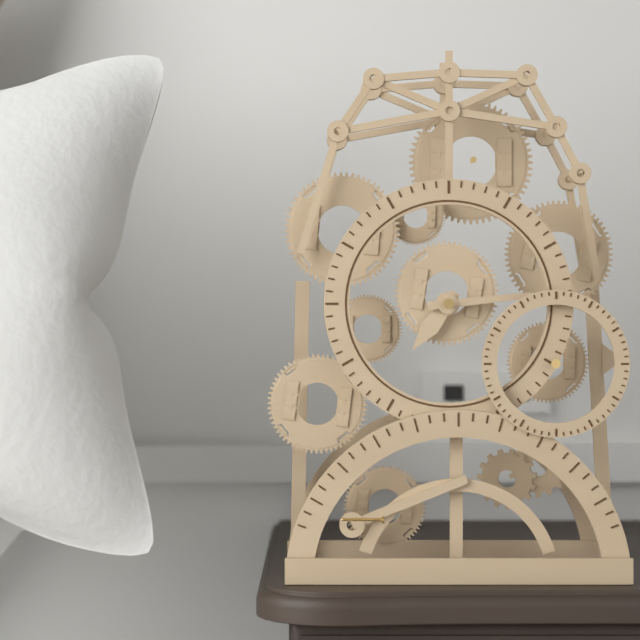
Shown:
**7:14**
